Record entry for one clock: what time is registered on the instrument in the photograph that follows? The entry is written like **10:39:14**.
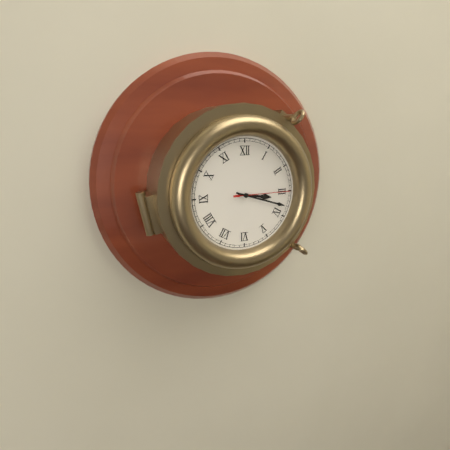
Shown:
**3:18:15**
